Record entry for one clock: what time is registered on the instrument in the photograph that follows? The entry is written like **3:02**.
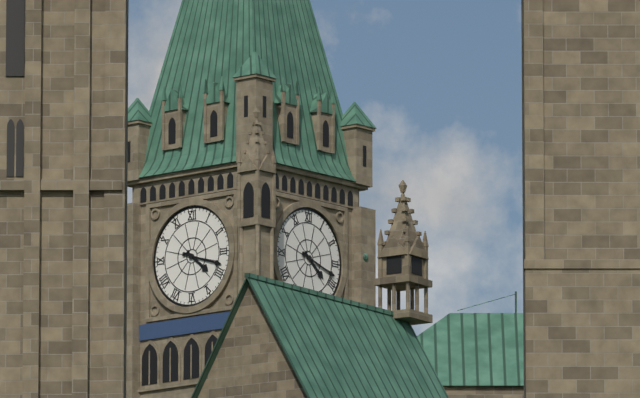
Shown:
**4:18**
